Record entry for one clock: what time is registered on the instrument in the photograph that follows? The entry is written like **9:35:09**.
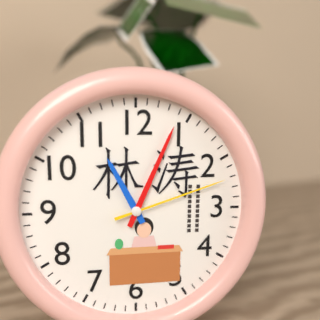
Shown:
**11:04:12**
